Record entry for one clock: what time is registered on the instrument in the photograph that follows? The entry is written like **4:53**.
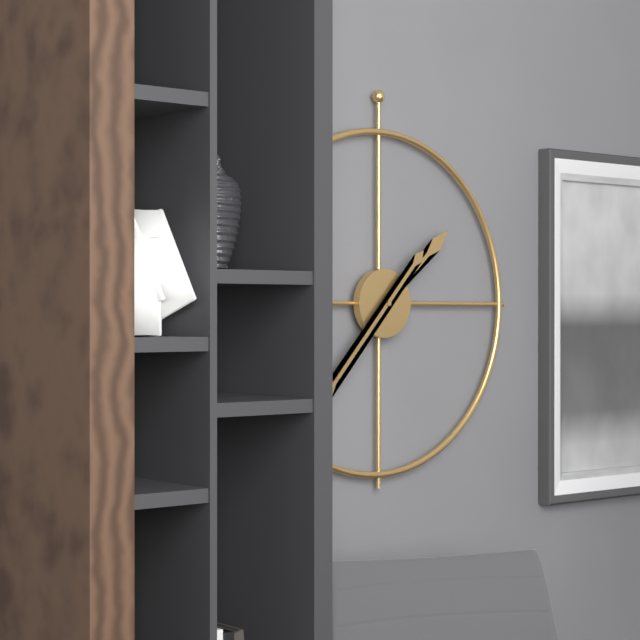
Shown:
**1:37**
